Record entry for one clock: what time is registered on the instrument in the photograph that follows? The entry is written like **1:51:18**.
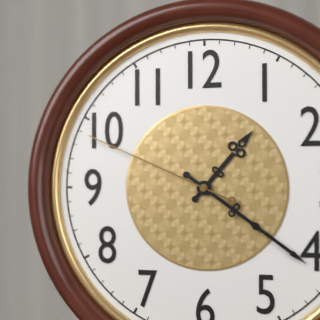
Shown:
**1:21:49**
